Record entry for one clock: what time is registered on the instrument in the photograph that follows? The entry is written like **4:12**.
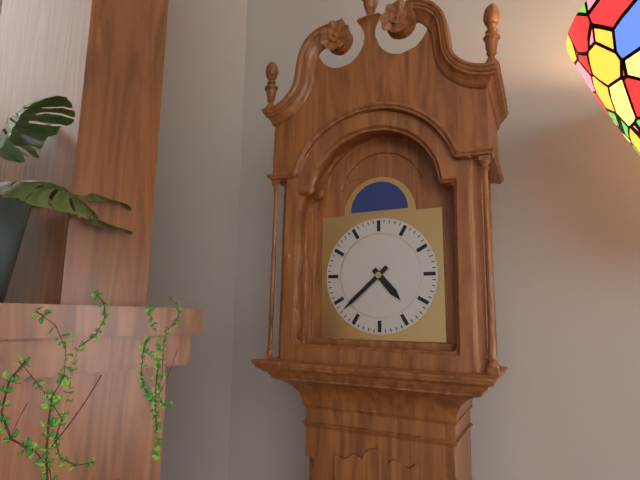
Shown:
**4:38**
